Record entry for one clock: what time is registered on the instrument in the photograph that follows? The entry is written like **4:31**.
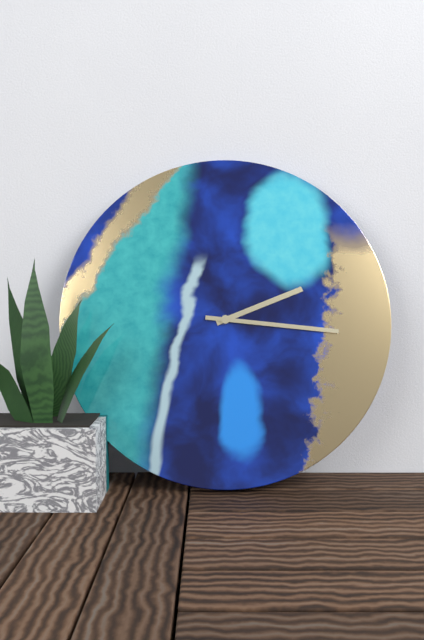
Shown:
**2:16**
